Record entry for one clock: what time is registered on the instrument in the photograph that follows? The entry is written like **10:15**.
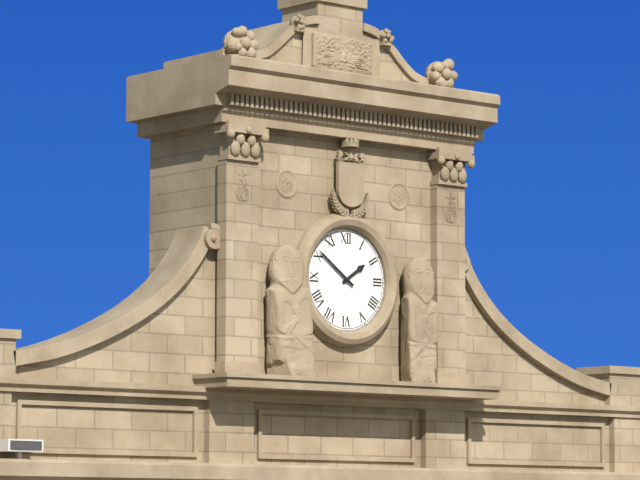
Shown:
**1:51**
